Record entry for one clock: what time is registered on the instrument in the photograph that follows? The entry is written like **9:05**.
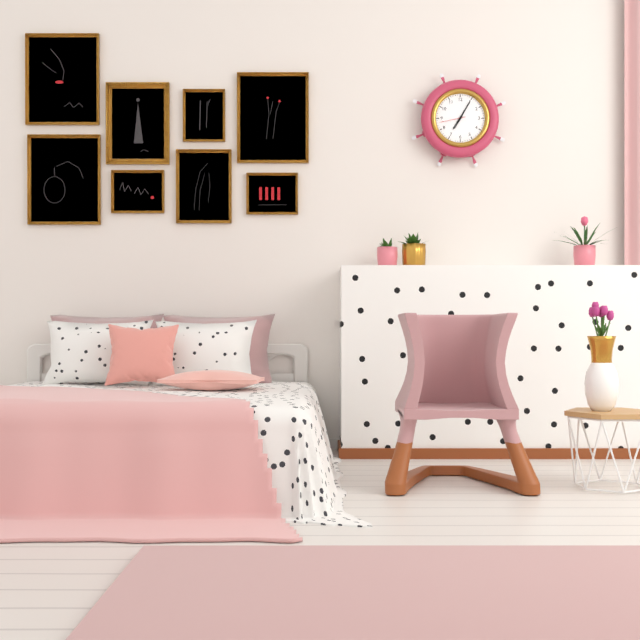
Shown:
**7:05**
